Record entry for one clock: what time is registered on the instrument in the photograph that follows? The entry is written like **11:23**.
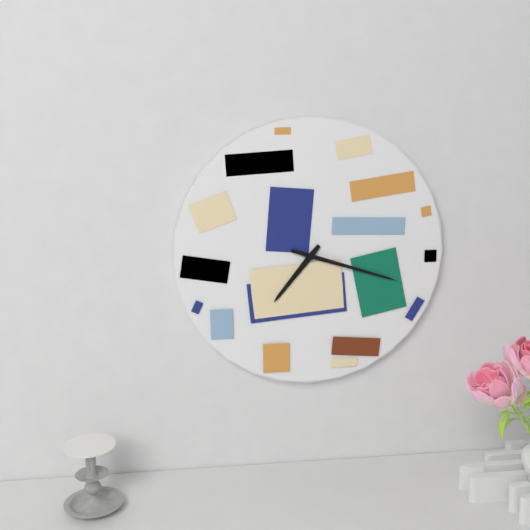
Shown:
**7:18**
